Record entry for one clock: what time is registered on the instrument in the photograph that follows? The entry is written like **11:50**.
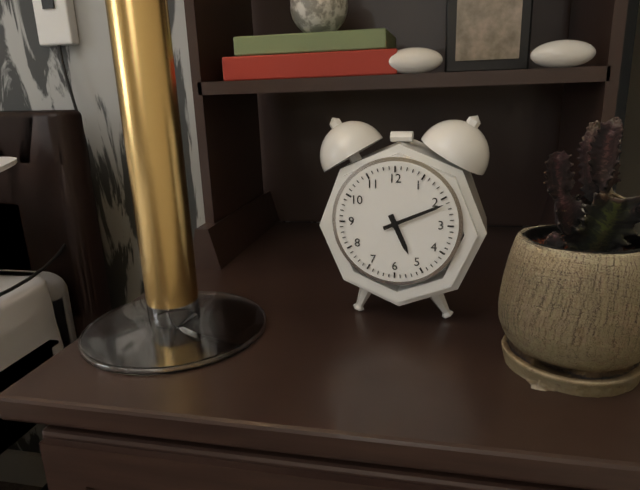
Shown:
**5:11**
